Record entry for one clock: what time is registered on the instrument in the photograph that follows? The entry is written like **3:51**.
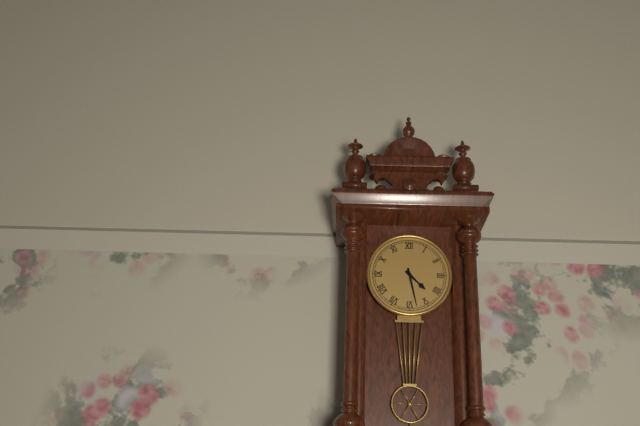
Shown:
**4:28**
